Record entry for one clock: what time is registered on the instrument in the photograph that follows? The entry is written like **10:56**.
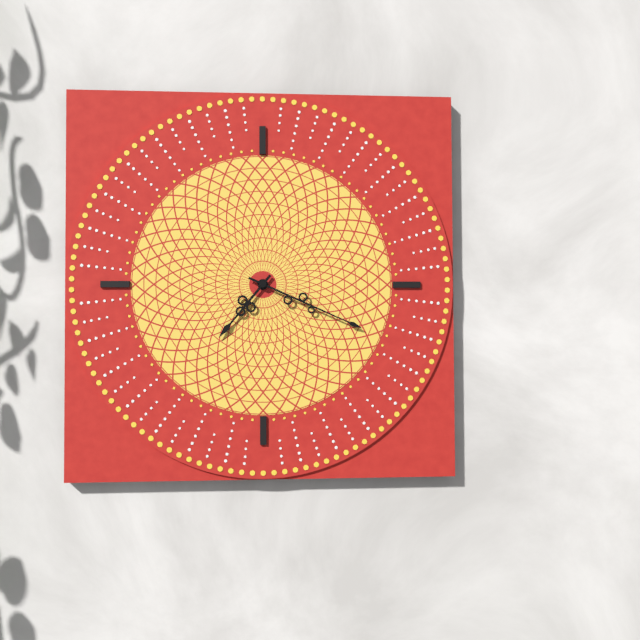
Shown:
**7:19**
